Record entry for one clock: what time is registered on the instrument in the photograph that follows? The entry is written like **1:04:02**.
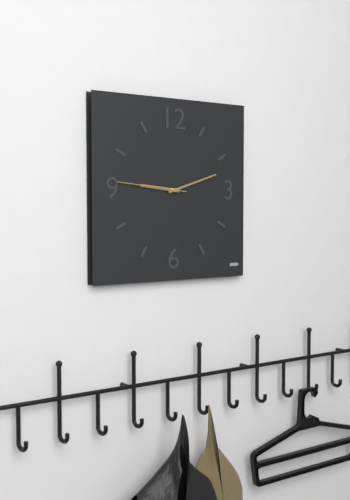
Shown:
**9:12:46**
